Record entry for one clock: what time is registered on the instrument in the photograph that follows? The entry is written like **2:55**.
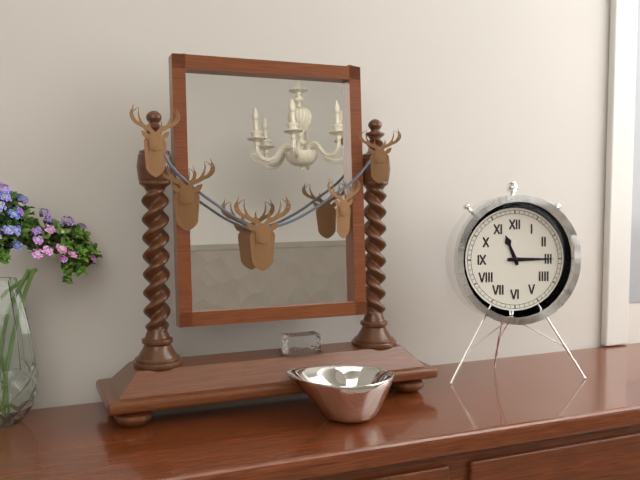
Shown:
**11:15**
